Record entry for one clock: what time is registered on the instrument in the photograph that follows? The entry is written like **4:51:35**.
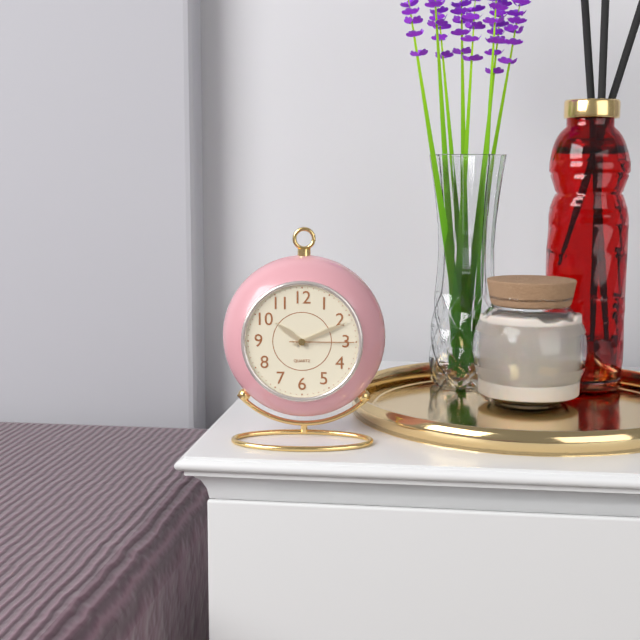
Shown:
**10:11:15**
